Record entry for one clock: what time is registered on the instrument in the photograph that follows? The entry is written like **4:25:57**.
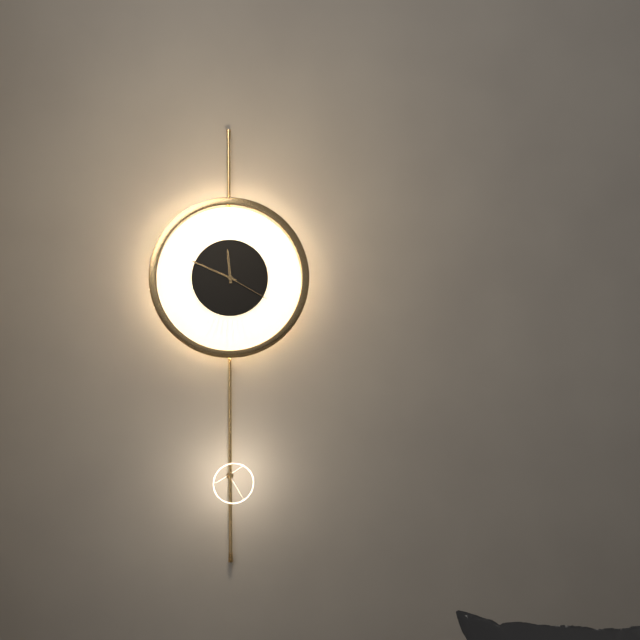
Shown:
**11:49:20**
